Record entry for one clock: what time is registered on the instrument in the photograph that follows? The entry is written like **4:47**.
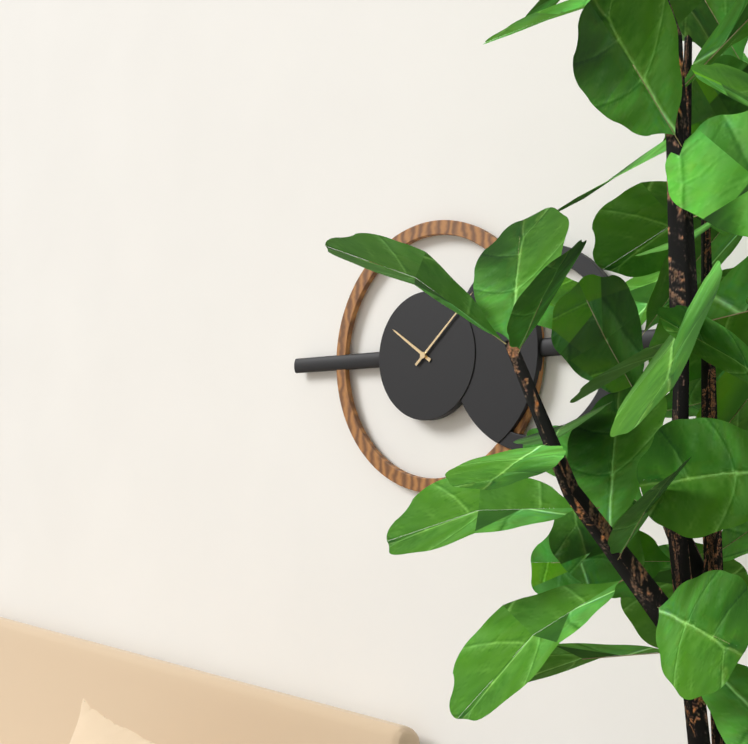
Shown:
**10:08**
